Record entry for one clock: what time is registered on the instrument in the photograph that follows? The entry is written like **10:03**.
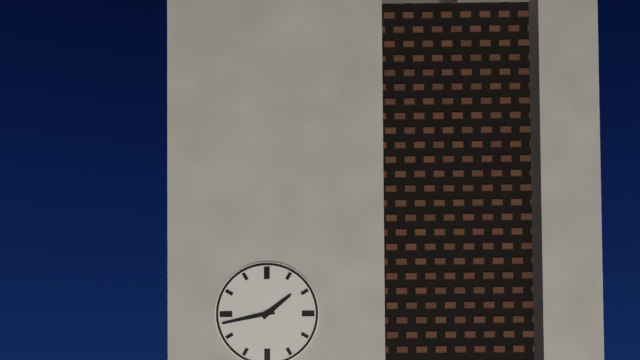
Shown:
**1:43**
